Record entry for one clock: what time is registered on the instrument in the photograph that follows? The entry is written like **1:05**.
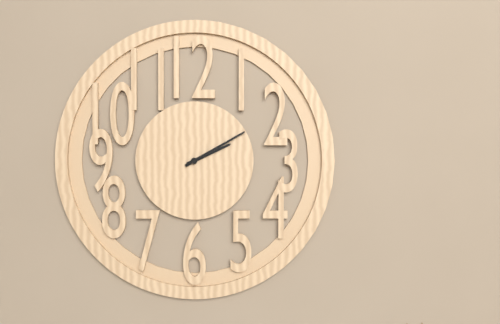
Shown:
**2:10**
